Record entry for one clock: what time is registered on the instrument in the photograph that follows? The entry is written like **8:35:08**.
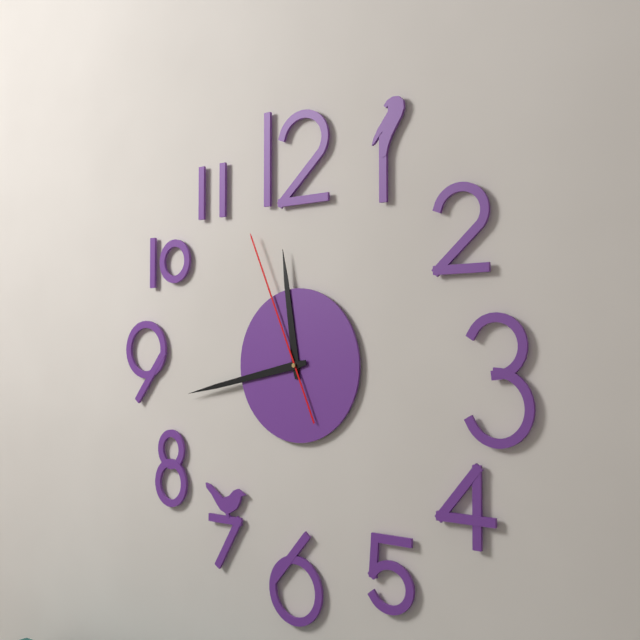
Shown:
**11:43:56**
